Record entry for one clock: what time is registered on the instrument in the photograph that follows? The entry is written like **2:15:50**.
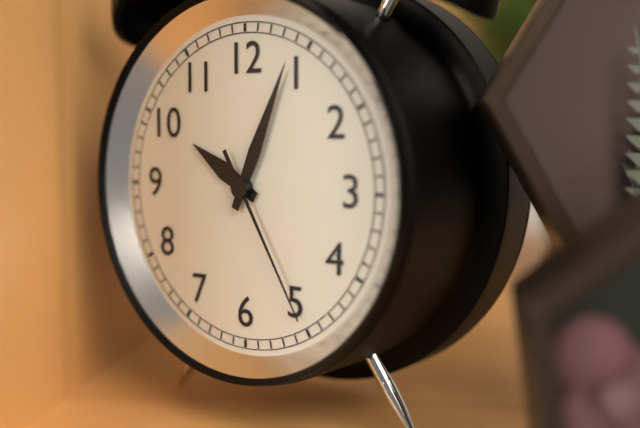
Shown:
**10:04:25**
